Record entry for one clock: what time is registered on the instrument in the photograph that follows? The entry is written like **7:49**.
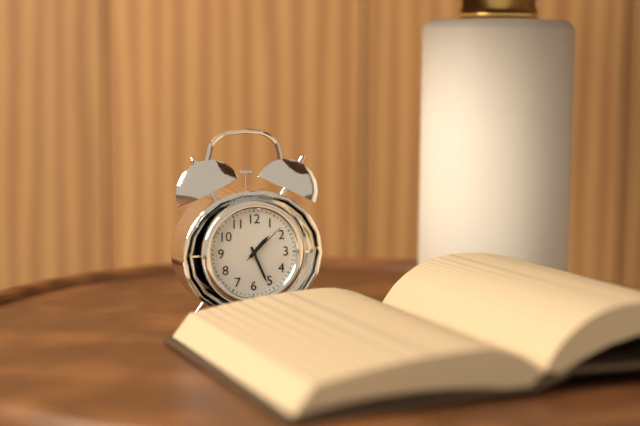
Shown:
**1:26**
